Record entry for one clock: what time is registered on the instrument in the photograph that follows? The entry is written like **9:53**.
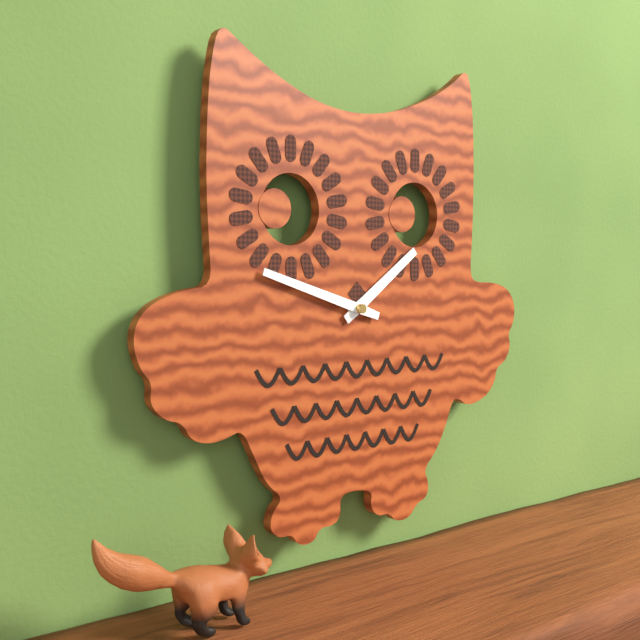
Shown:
**1:48**
